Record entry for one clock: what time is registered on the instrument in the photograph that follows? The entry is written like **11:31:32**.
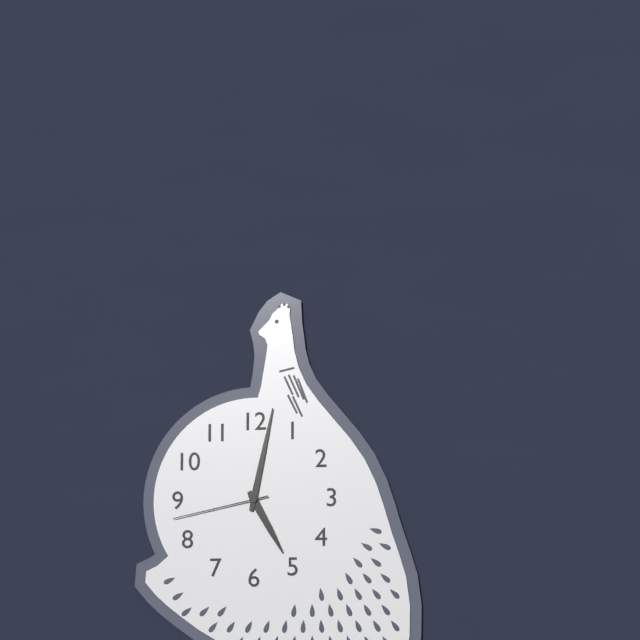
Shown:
**5:02:43**
